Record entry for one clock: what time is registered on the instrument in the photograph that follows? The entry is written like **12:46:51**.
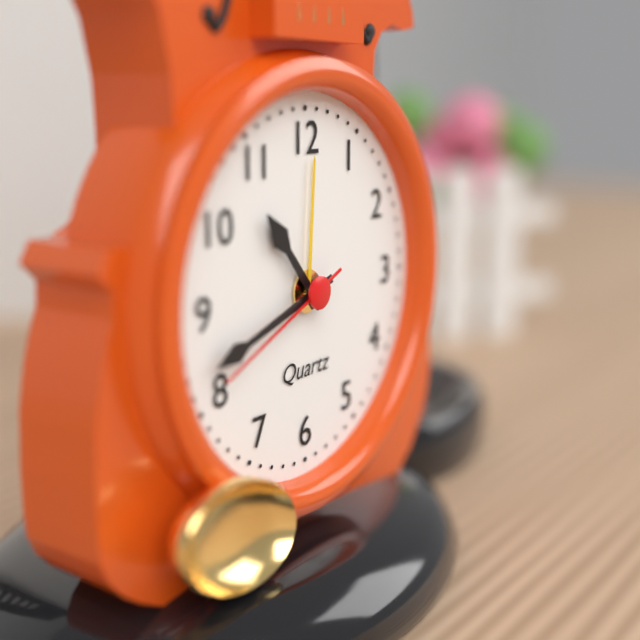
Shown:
**10:42:41**
